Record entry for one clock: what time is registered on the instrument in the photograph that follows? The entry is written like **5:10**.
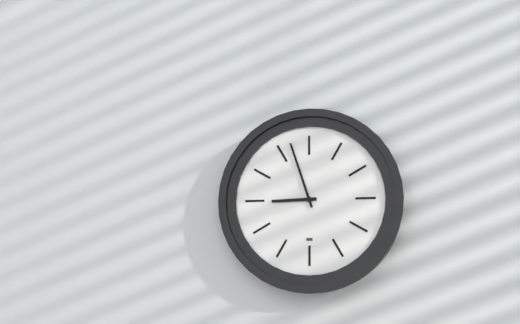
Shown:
**8:57**
